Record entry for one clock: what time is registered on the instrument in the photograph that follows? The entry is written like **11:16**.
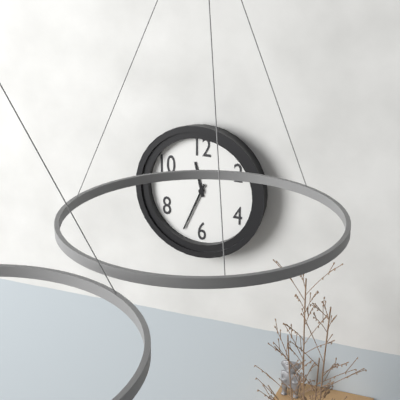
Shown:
**11:34**
